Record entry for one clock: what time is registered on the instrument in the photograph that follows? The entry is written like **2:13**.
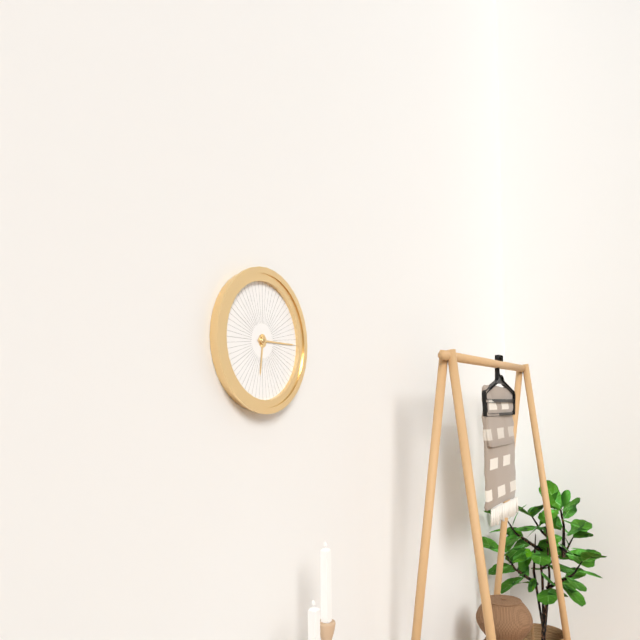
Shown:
**6:15**
